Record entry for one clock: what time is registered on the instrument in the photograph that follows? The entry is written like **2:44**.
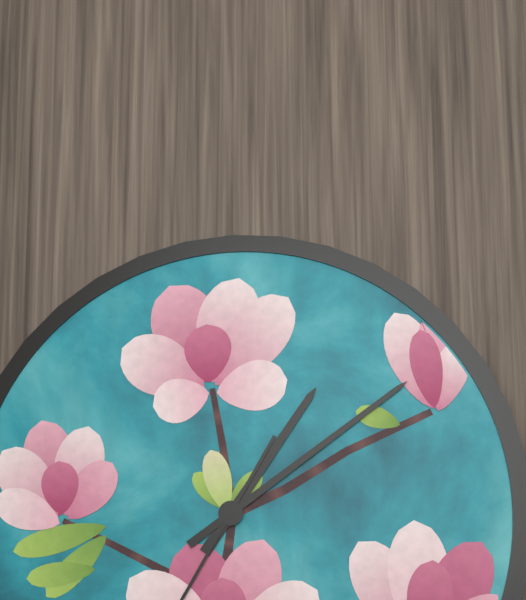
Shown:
**1:09**
